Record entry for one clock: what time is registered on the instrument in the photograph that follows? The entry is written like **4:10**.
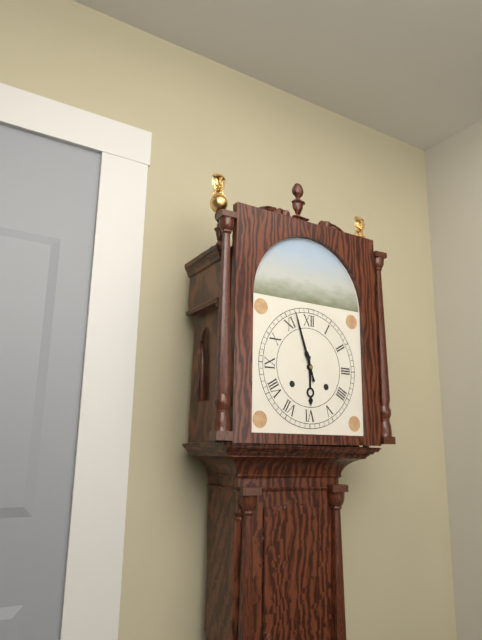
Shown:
**5:57**
